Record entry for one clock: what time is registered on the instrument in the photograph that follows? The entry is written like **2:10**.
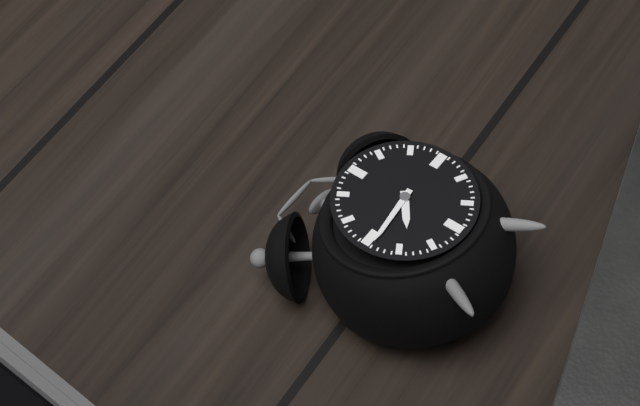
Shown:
**7:44**
